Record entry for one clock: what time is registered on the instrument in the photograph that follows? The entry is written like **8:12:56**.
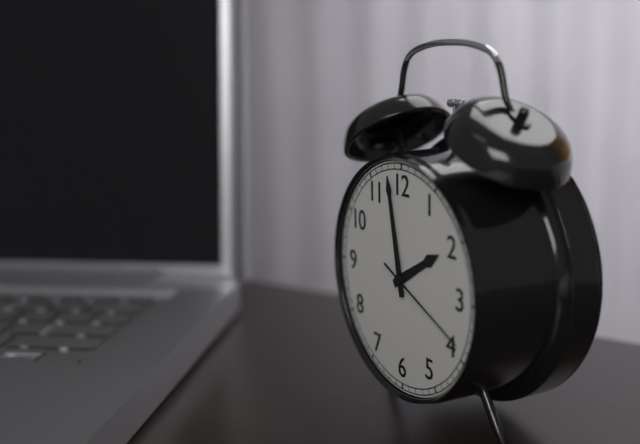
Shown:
**1:58:19**
